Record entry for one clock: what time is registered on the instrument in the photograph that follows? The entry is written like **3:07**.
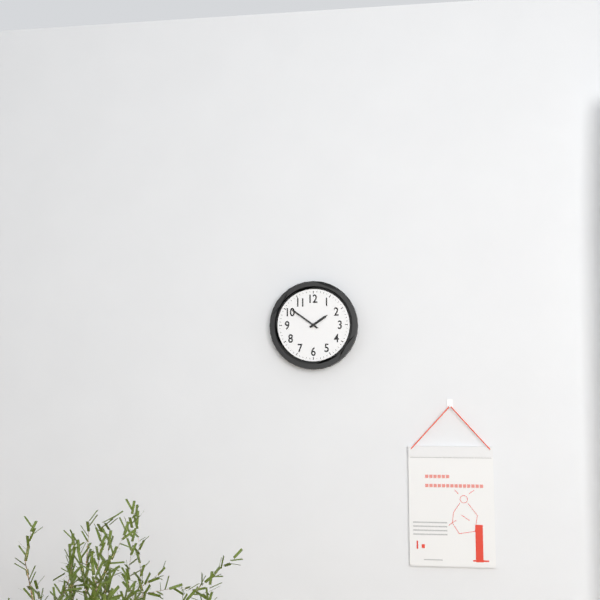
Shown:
**1:51**
